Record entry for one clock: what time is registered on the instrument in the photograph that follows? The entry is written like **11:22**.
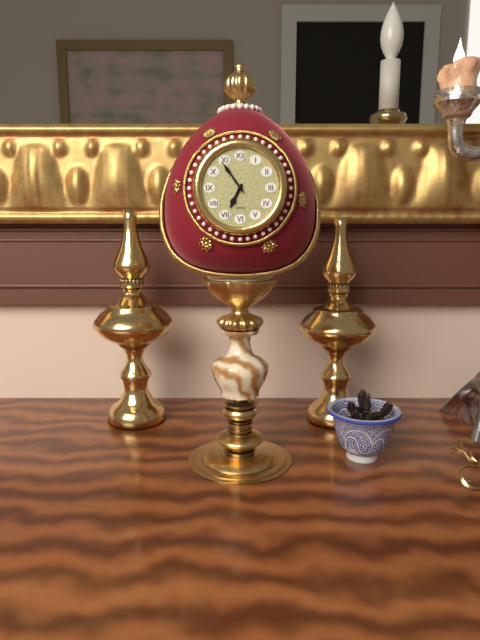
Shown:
**6:54**
